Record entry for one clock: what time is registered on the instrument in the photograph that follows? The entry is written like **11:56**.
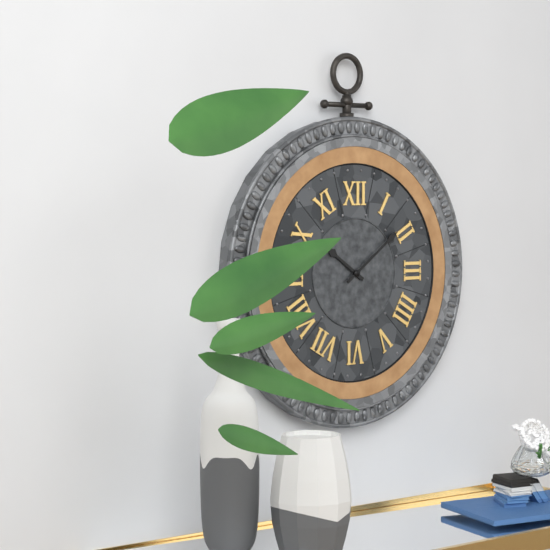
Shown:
**10:09**
